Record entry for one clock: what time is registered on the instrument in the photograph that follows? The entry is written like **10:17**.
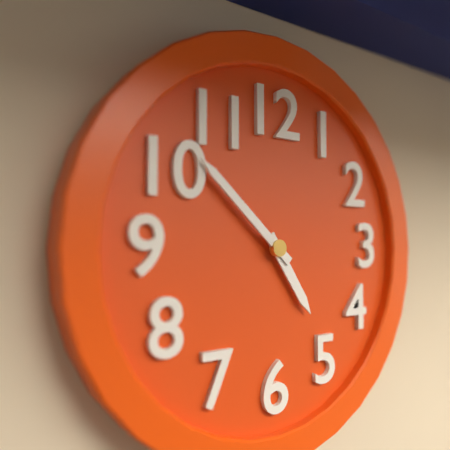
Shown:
**4:52**
